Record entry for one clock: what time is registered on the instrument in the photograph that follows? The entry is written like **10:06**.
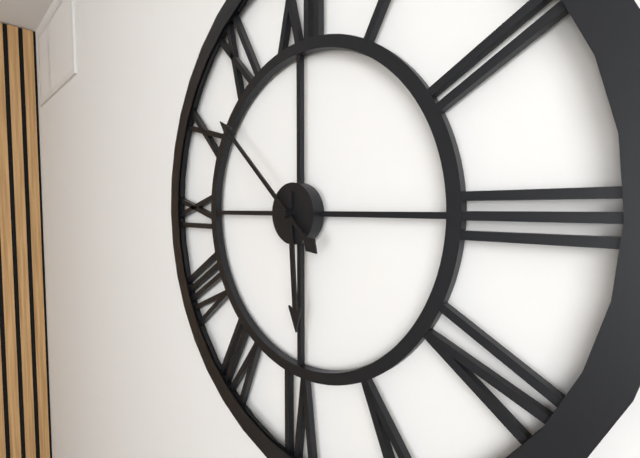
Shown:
**5:52**
